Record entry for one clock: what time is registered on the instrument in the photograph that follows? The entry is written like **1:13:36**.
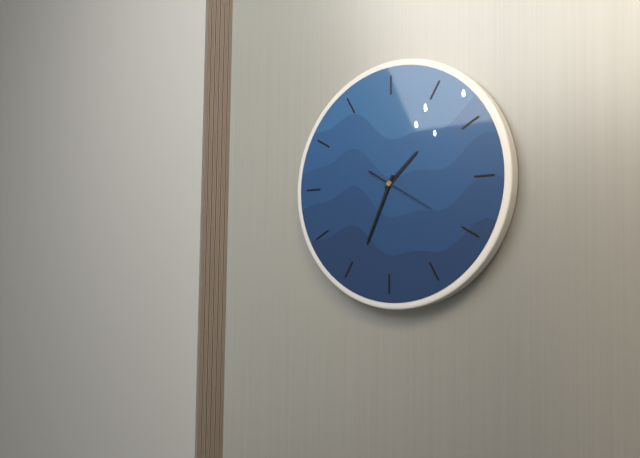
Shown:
**1:34:20**
